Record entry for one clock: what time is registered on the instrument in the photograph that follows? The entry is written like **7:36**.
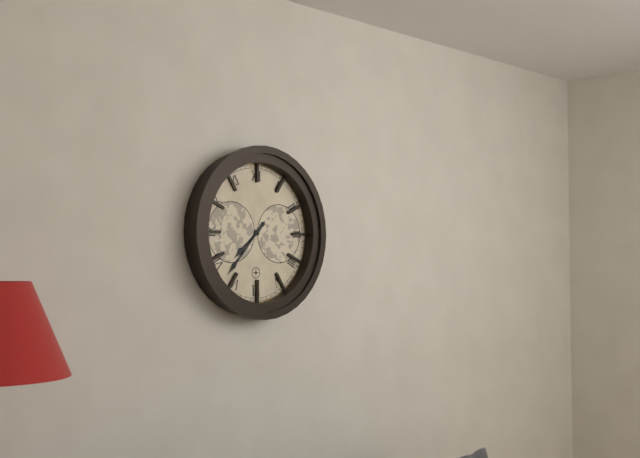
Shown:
**7:37**
